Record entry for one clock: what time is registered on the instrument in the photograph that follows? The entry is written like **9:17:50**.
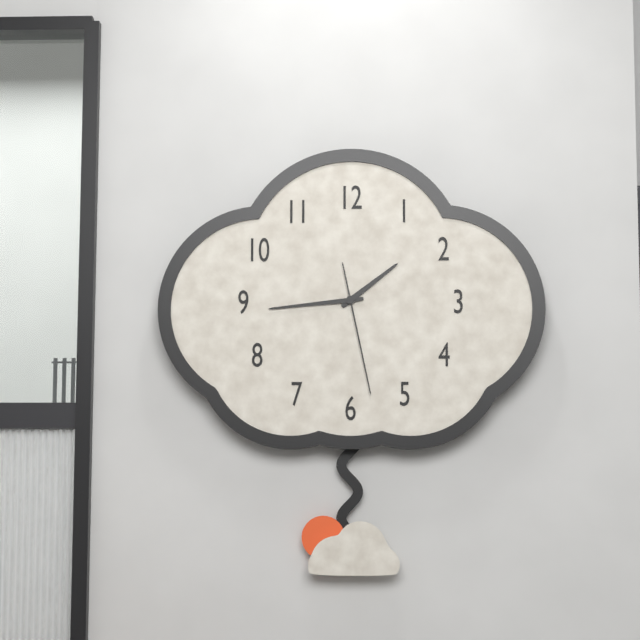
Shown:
**1:44:28**
